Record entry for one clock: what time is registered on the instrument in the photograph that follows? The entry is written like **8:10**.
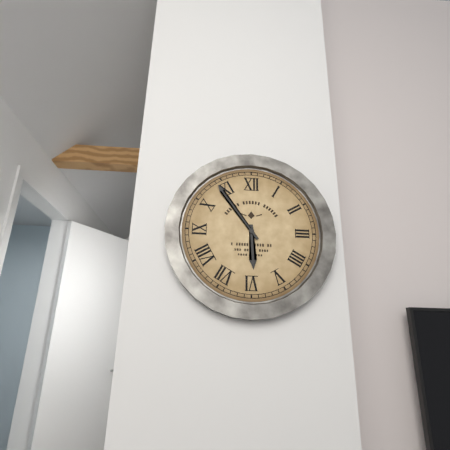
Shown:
**5:54**
